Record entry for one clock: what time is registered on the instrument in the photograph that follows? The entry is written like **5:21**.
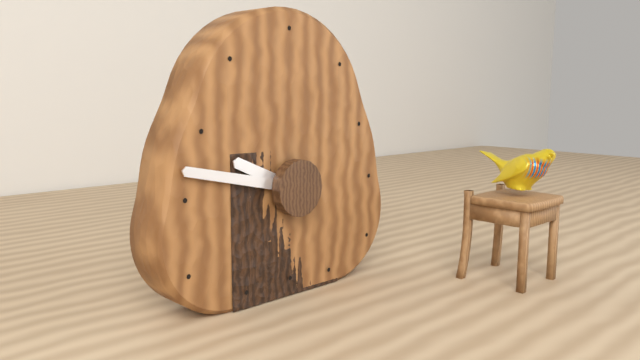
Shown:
**9:47**
